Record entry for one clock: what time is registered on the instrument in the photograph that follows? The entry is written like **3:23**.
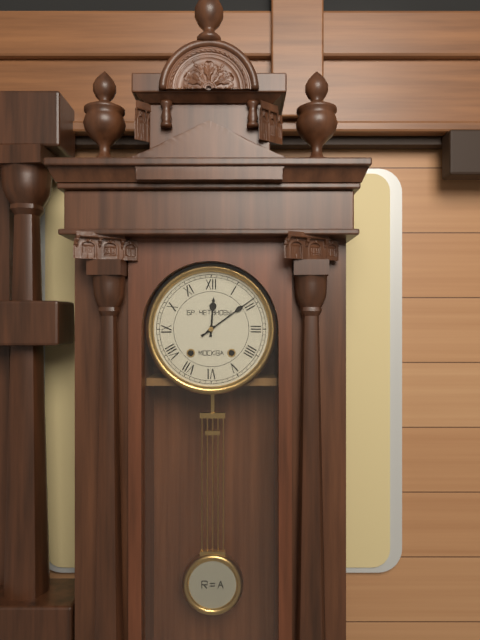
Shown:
**12:09**
